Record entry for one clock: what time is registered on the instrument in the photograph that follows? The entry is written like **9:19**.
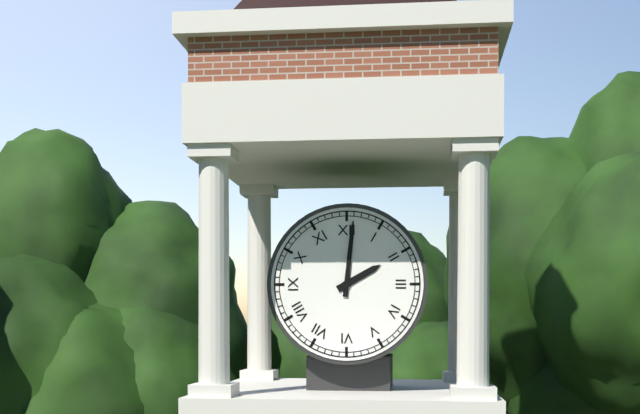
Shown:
**2:01**
